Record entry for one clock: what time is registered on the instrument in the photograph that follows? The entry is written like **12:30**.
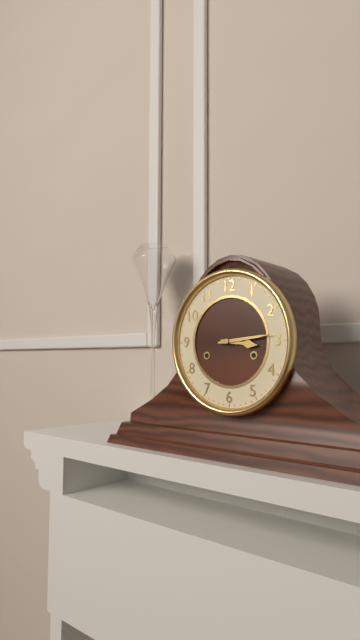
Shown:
**3:14**
